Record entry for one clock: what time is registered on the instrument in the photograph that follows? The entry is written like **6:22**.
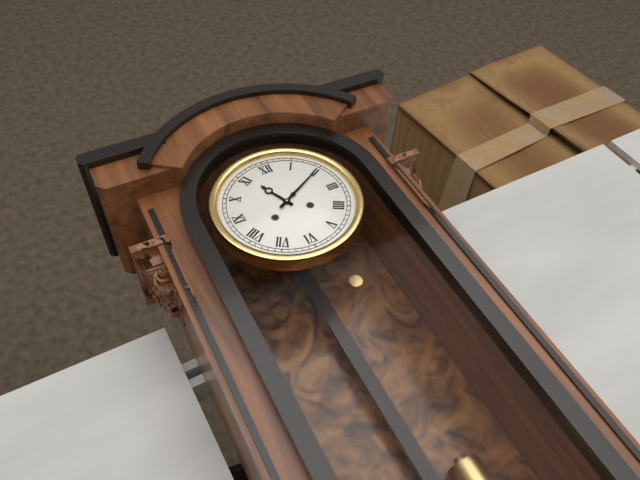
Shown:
**11:10**
